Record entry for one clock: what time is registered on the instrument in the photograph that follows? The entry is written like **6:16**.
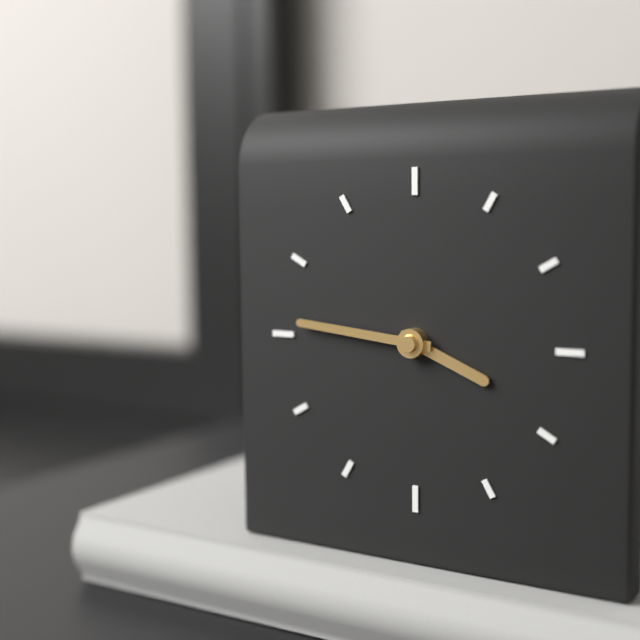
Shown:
**3:46**
